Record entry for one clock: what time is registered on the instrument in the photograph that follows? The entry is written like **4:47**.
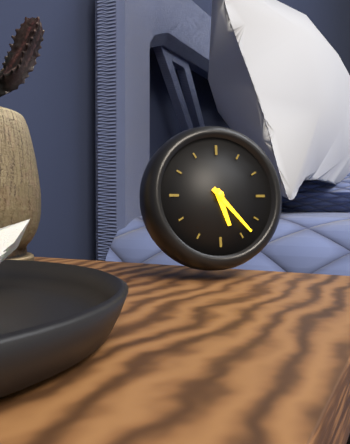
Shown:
**5:23**
